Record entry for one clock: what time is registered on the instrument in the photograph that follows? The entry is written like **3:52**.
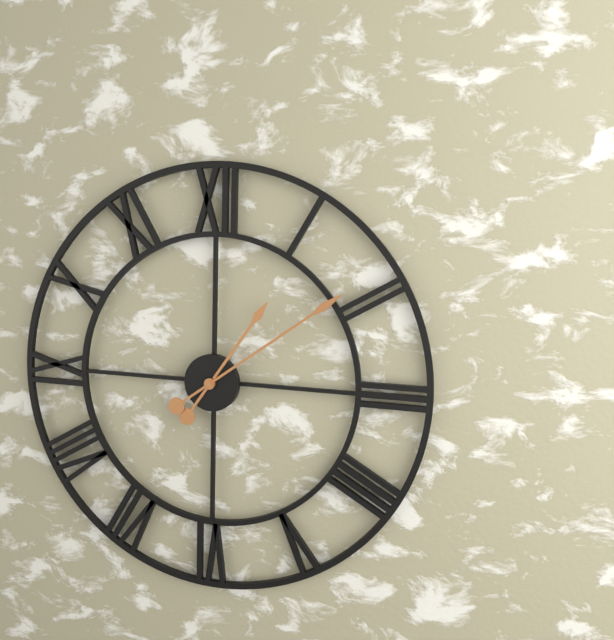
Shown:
**1:09**
